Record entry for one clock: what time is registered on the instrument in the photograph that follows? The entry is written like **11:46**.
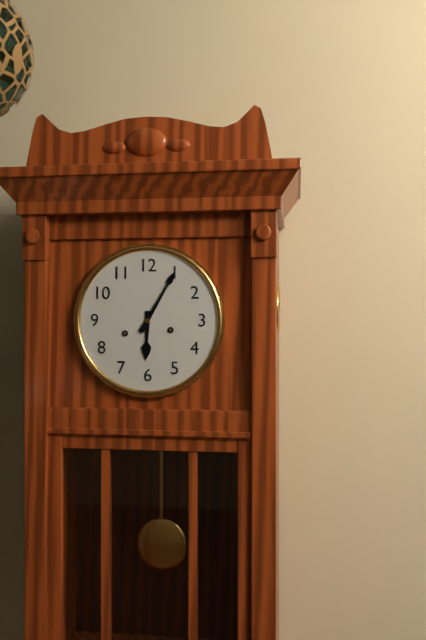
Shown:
**6:05**
